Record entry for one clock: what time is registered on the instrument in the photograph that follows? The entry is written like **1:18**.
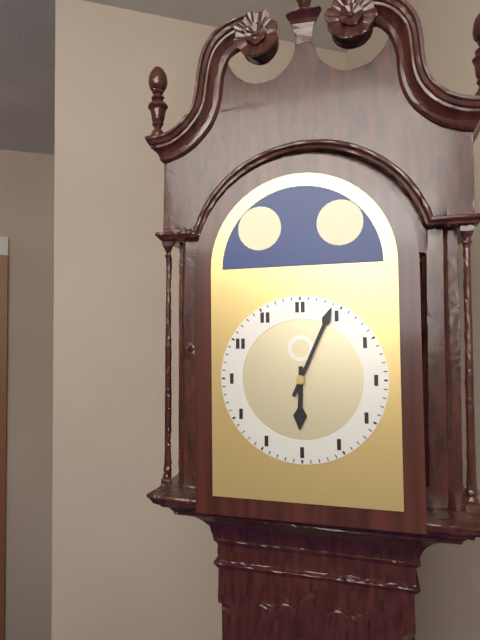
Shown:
**6:04**
